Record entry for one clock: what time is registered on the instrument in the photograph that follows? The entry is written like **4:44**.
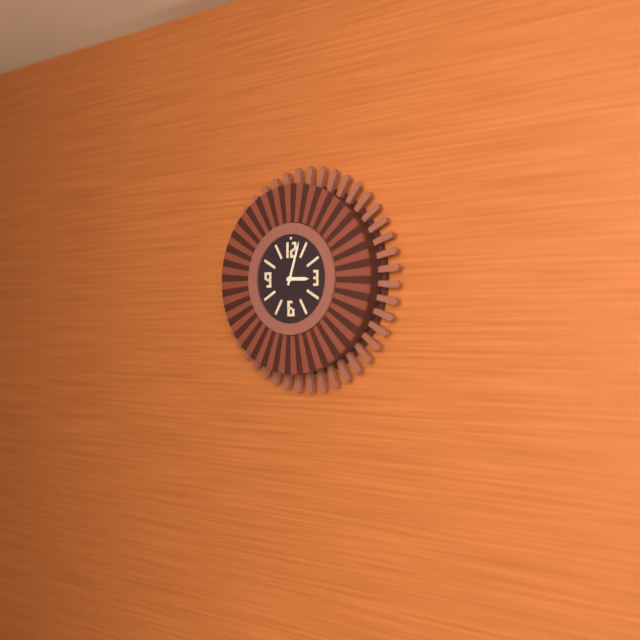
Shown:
**3:03**
